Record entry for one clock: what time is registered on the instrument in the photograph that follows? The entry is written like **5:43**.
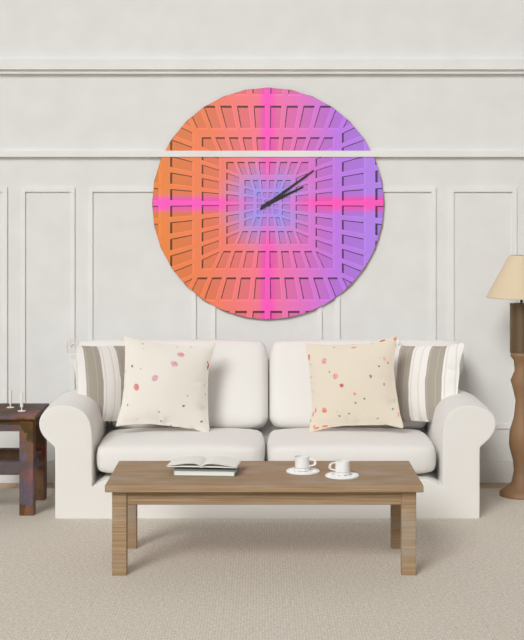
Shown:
**2:09**
